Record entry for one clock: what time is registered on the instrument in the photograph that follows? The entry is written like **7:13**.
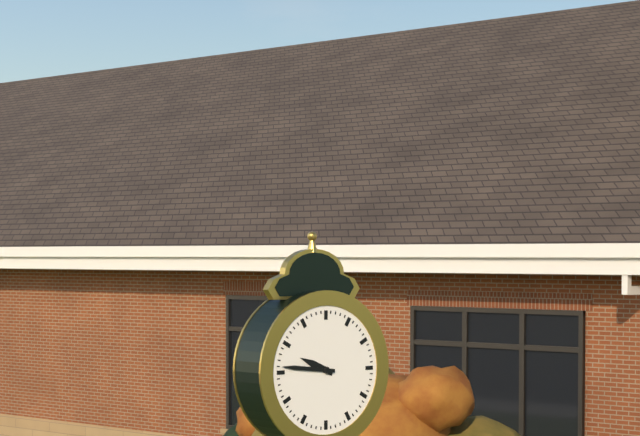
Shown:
**9:46**
